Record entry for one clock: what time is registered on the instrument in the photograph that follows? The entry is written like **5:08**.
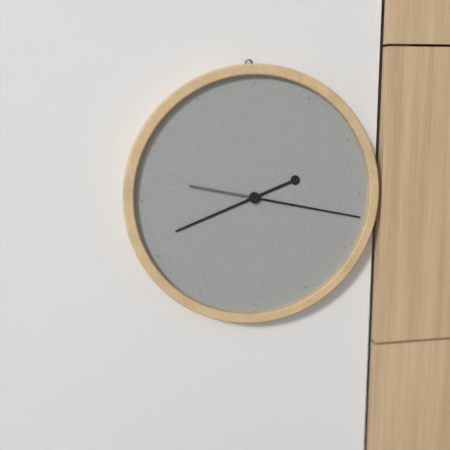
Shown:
**8:17**
